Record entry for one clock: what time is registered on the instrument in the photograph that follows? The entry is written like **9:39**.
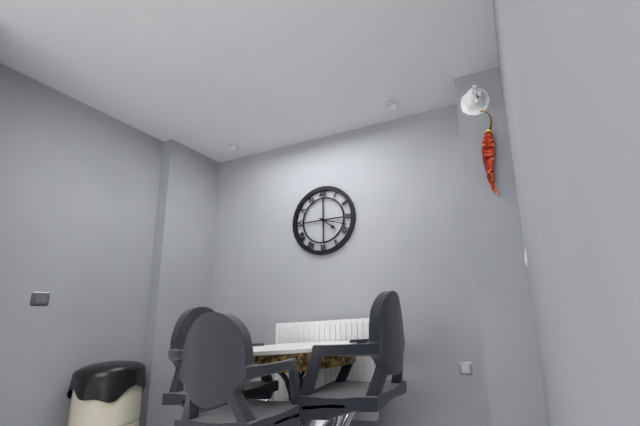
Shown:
**4:18**
